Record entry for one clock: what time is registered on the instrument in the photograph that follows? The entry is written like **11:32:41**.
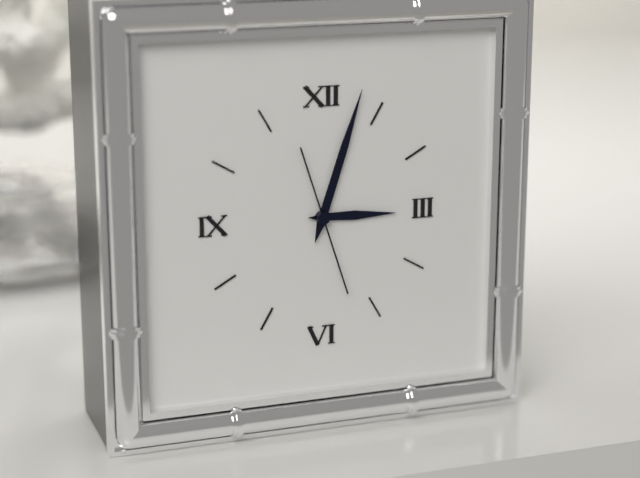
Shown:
**3:03:27**
